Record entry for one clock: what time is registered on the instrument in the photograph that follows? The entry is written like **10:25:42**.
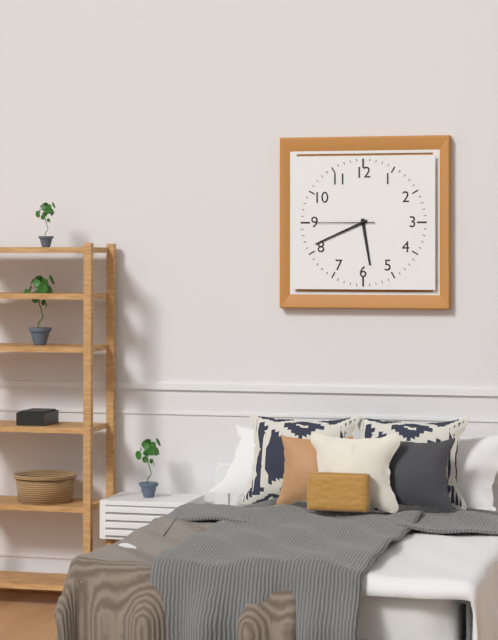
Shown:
**5:41:45**
